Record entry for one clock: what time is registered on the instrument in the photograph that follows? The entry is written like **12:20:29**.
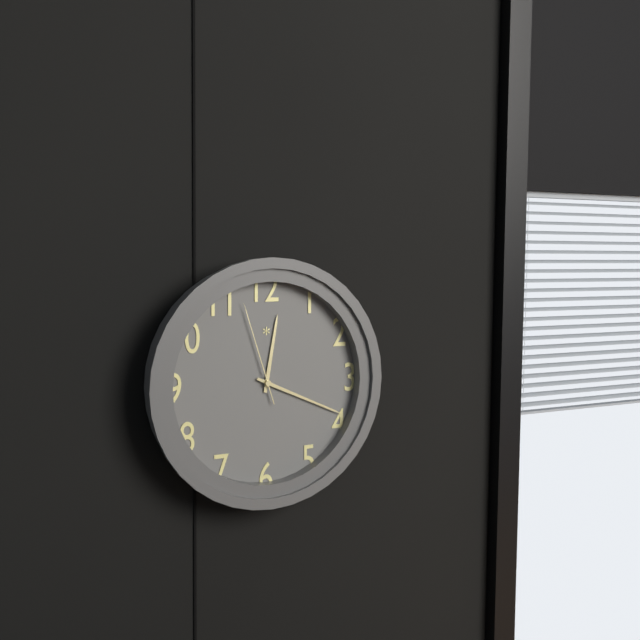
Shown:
**12:19:57**
